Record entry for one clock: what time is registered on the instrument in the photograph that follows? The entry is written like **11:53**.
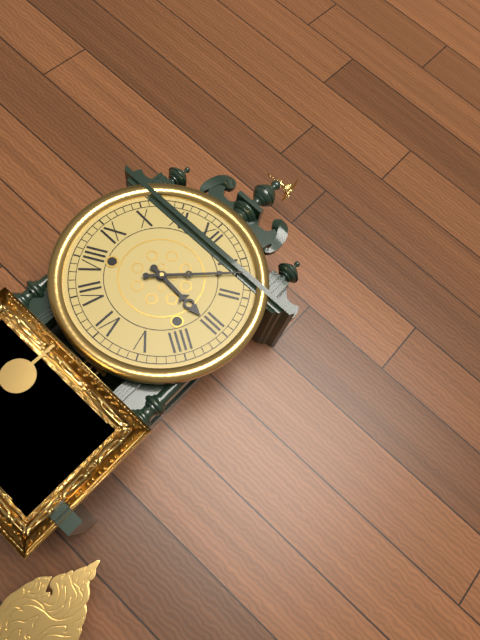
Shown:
**3:07**
